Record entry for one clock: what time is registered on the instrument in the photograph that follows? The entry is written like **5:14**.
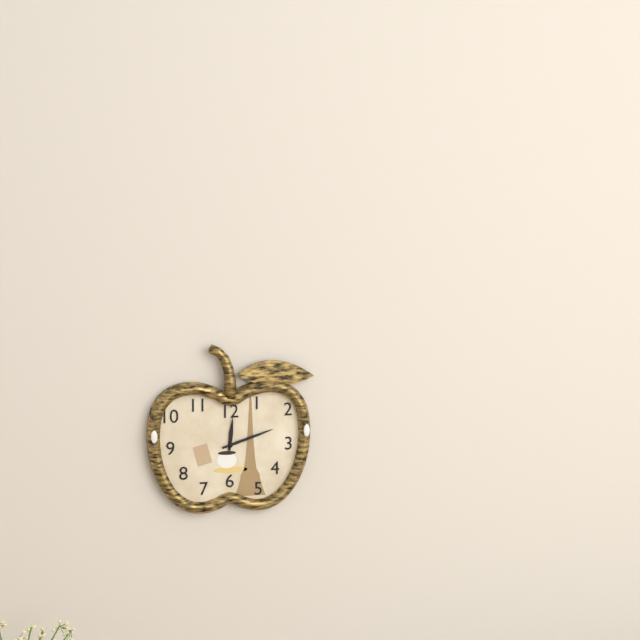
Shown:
**12:12**
